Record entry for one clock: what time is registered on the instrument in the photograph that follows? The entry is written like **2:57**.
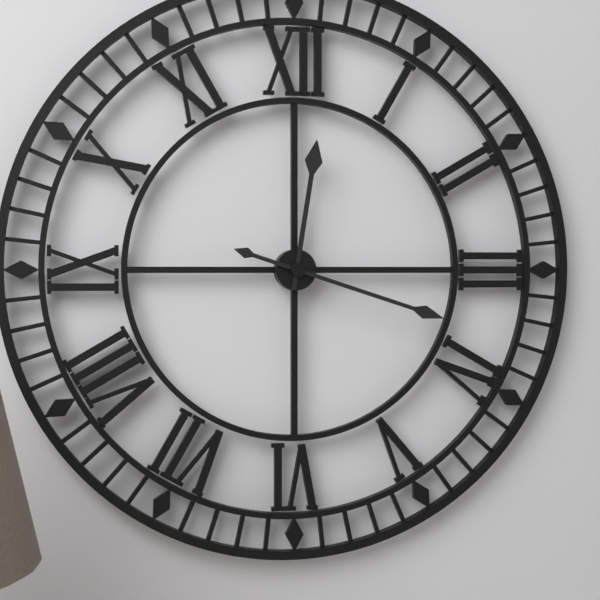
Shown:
**12:18**
